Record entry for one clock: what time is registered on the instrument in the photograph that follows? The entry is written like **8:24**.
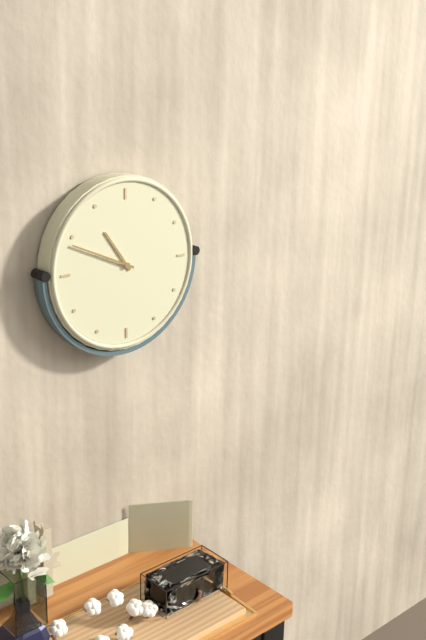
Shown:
**10:49**
